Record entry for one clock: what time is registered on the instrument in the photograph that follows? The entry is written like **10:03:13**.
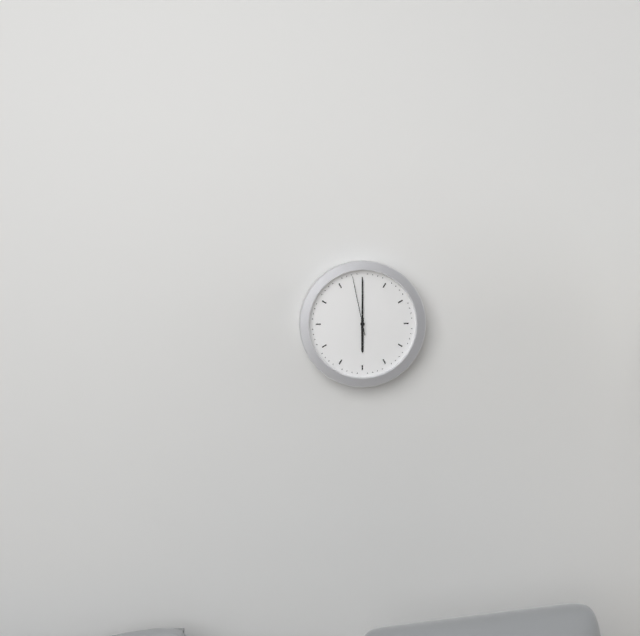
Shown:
**6:00:58**
